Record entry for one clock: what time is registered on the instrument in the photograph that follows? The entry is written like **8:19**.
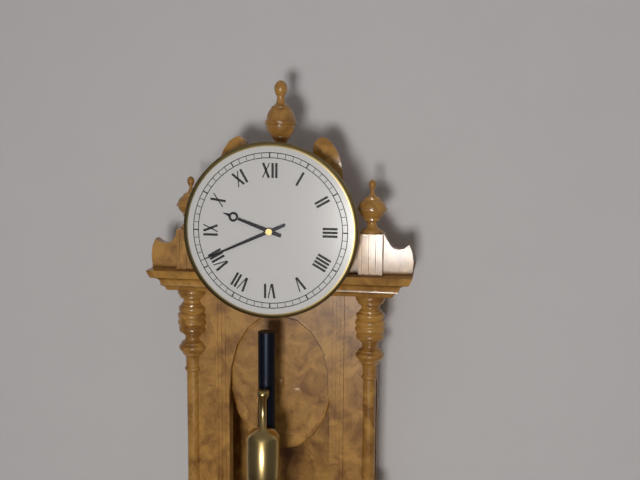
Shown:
**9:41**
